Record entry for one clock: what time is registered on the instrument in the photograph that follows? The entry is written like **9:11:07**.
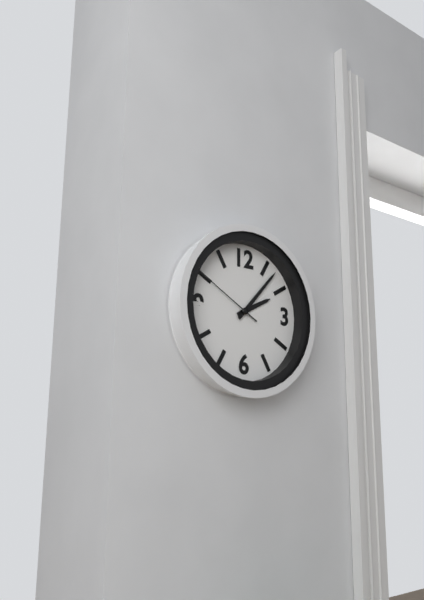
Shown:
**2:07:50**
